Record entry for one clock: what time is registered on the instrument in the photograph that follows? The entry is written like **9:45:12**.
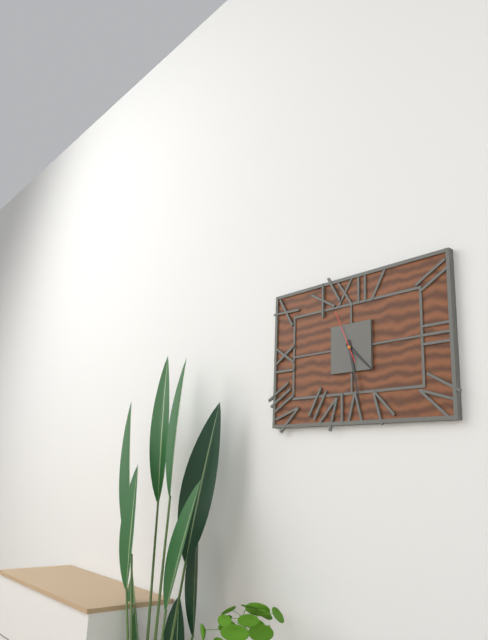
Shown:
**4:28:56**
